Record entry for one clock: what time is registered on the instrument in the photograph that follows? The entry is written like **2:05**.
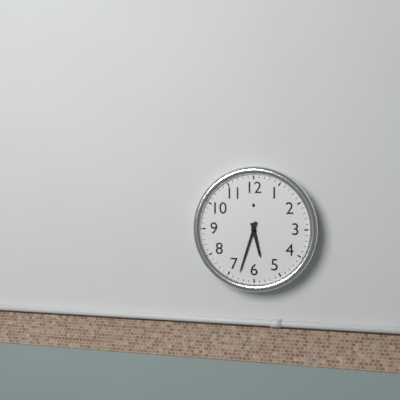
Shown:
**5:33**
